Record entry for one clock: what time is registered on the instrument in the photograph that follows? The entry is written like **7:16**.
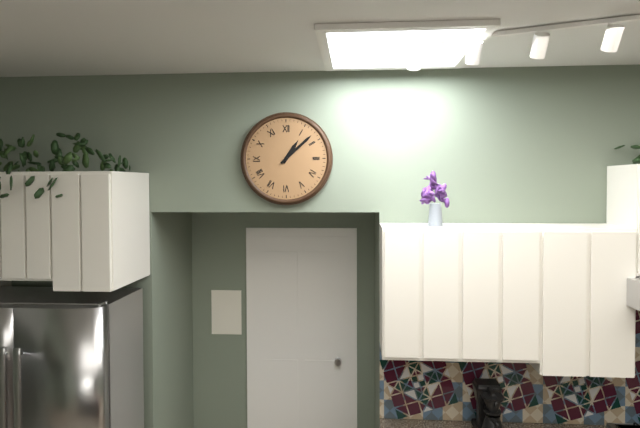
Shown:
**1:08**
